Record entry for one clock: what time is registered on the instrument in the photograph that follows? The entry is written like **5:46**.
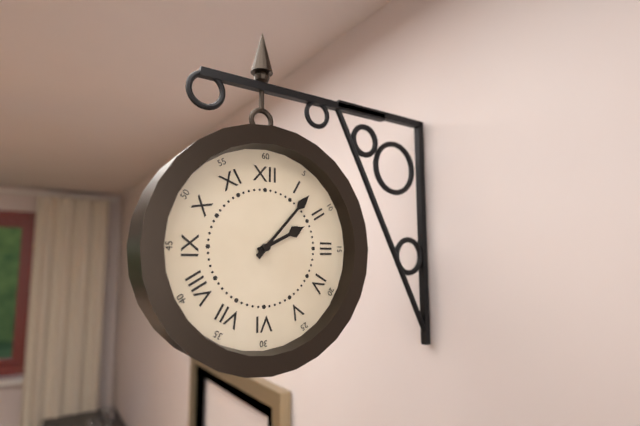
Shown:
**2:07**
